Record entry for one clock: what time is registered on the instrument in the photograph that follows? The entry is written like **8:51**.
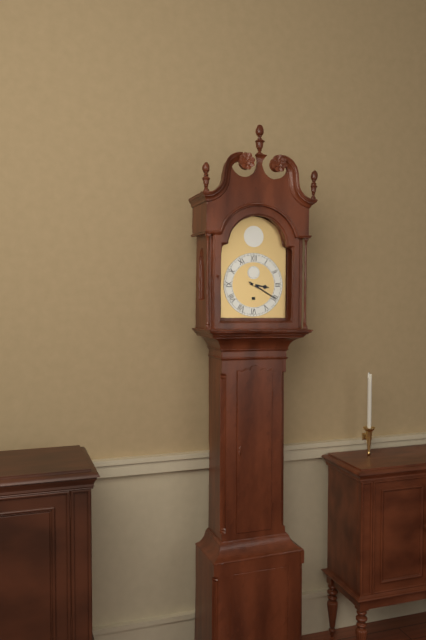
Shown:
**3:20**
